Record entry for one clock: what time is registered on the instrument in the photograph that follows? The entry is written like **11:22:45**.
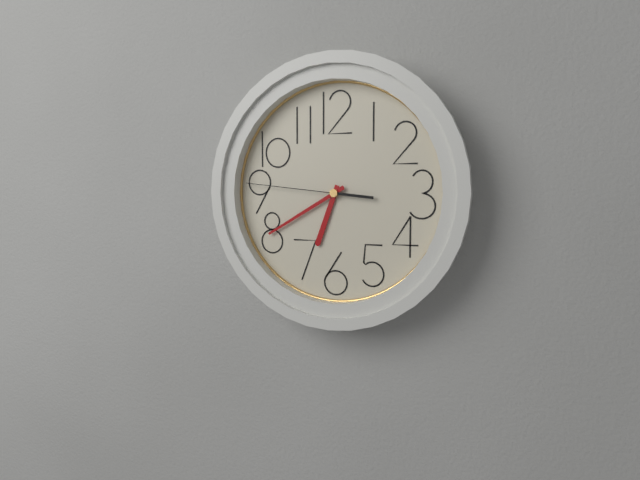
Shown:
**6:40:46**
